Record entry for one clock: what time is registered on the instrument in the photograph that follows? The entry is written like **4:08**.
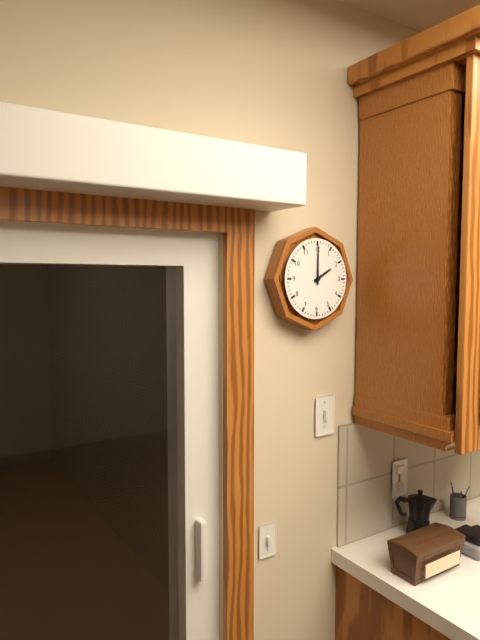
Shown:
**2:00**
